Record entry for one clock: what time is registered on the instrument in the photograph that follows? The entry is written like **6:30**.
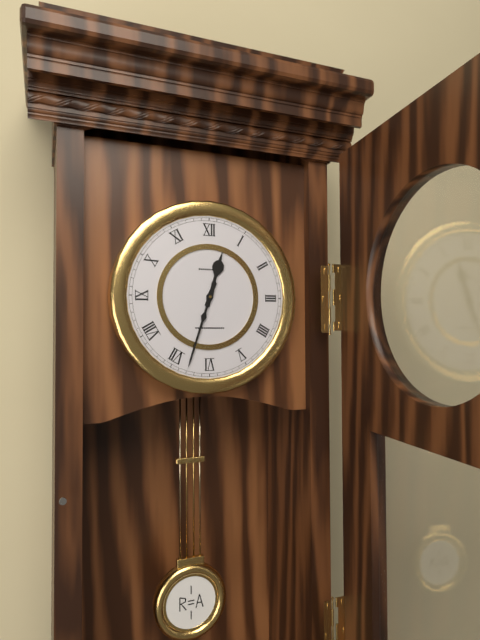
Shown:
**12:33**
